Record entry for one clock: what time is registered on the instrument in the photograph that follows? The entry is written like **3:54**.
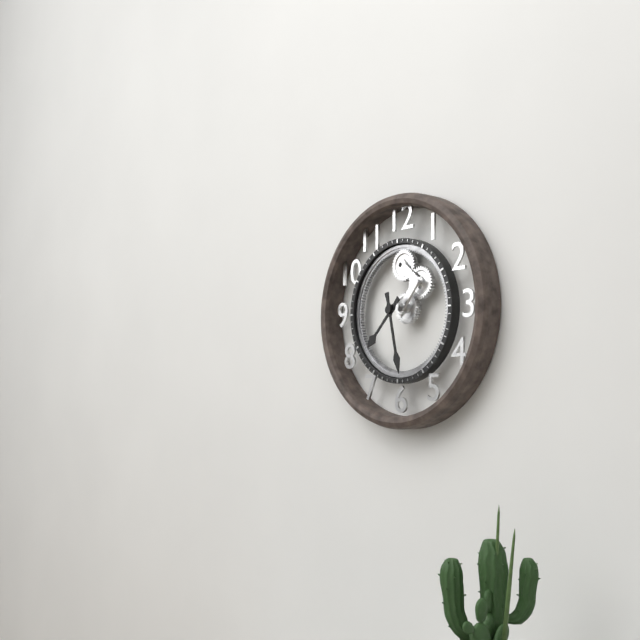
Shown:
**7:28**
